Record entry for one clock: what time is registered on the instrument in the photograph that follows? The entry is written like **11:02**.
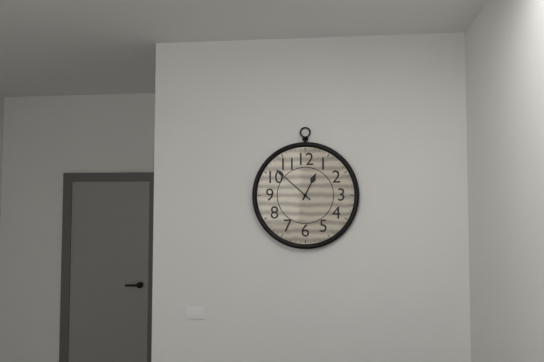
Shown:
**12:52**
